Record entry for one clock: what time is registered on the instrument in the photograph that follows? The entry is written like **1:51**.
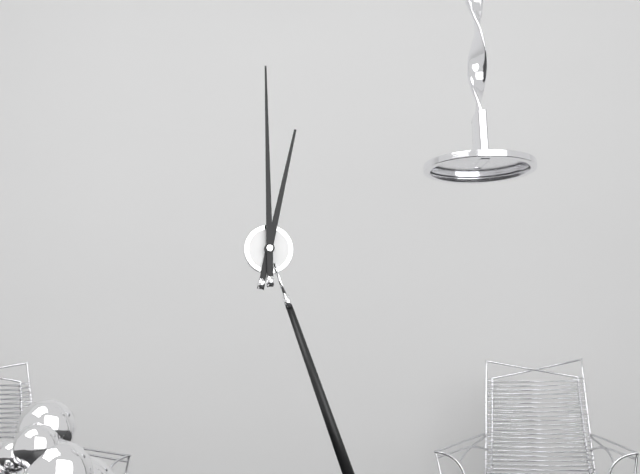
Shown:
**1:03**
